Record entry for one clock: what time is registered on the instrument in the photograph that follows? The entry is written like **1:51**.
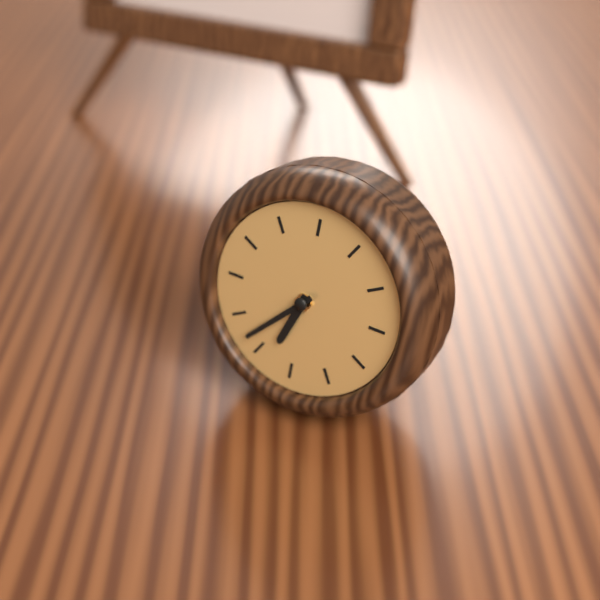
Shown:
**6:37**
